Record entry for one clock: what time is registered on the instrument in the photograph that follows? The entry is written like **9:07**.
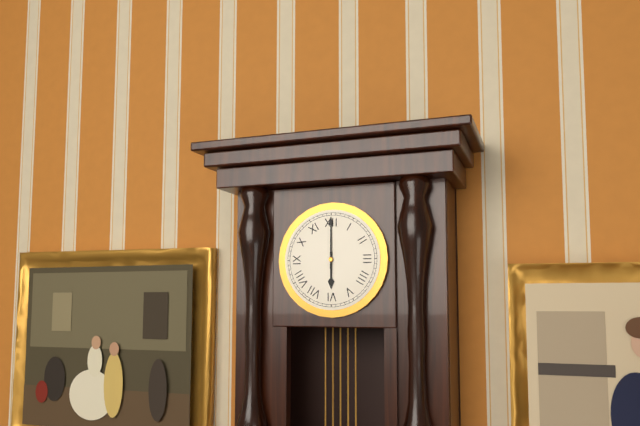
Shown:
**6:00**
